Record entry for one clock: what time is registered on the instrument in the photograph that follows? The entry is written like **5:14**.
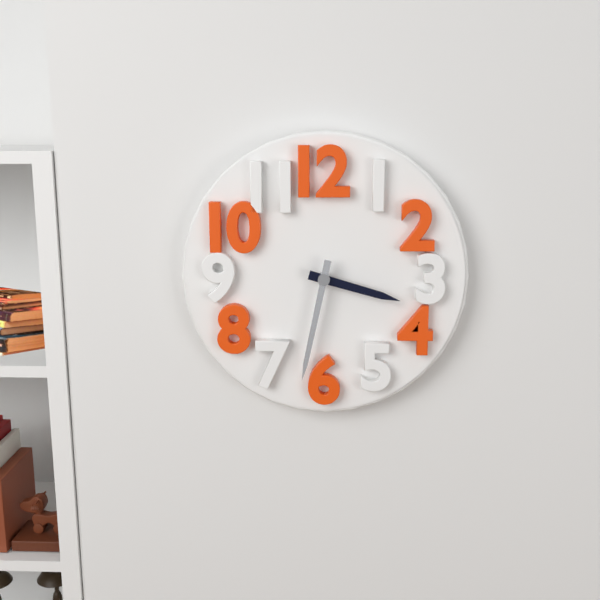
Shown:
**3:32**
